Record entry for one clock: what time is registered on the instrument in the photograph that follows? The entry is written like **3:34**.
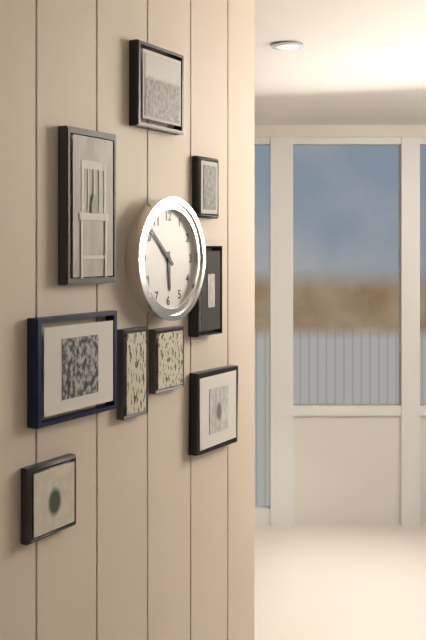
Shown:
**5:52**
